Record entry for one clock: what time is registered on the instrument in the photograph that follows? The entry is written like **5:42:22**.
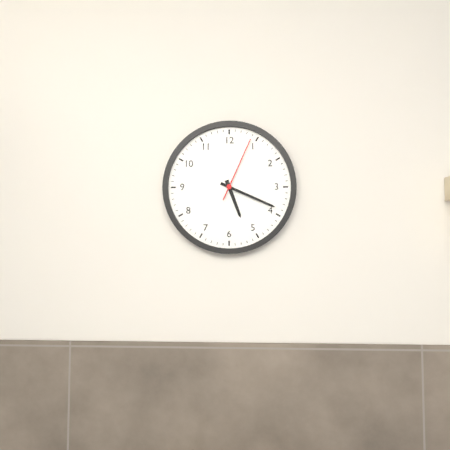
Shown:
**5:19:04**
